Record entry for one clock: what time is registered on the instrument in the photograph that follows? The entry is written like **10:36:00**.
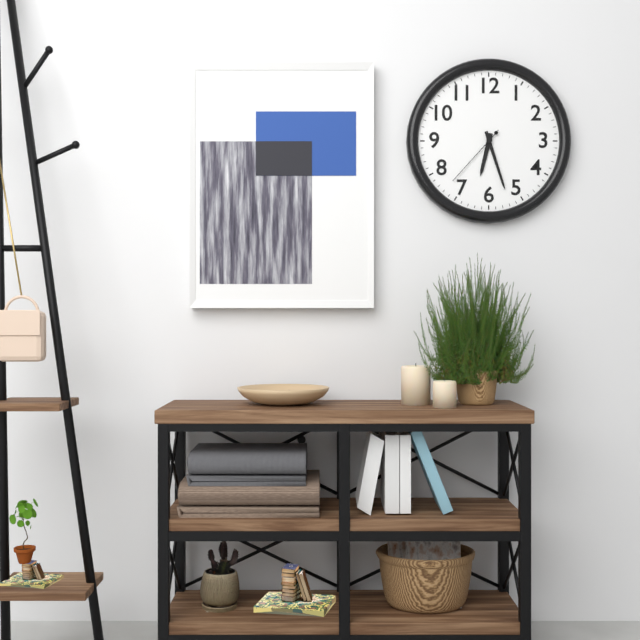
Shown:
**6:27:37**
